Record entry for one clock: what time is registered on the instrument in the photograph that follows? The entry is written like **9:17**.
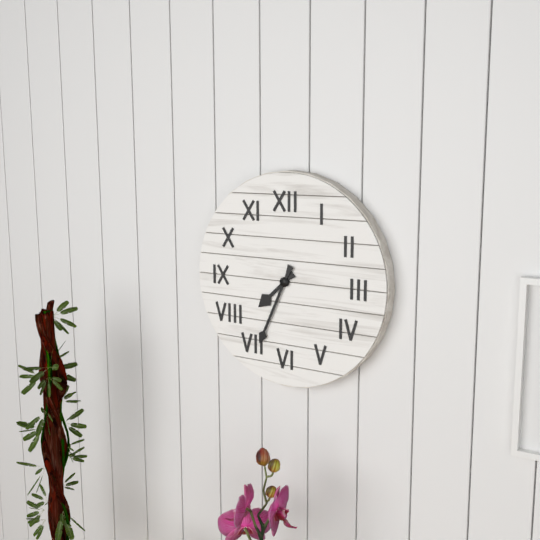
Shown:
**7:34**
